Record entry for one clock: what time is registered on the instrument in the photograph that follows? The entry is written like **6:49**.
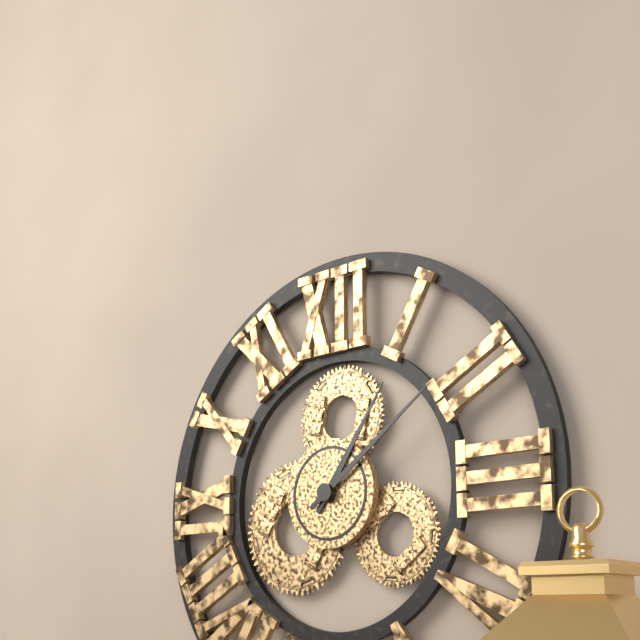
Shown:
**1:09**
